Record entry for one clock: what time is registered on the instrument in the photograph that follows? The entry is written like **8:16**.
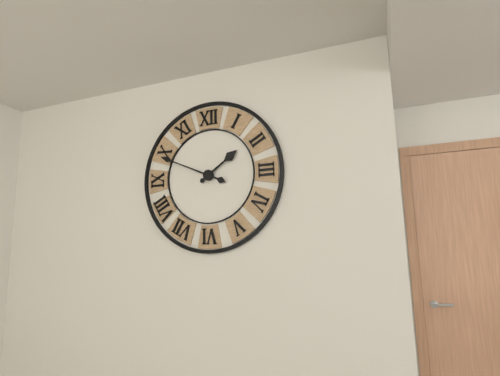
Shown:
**1:49**
